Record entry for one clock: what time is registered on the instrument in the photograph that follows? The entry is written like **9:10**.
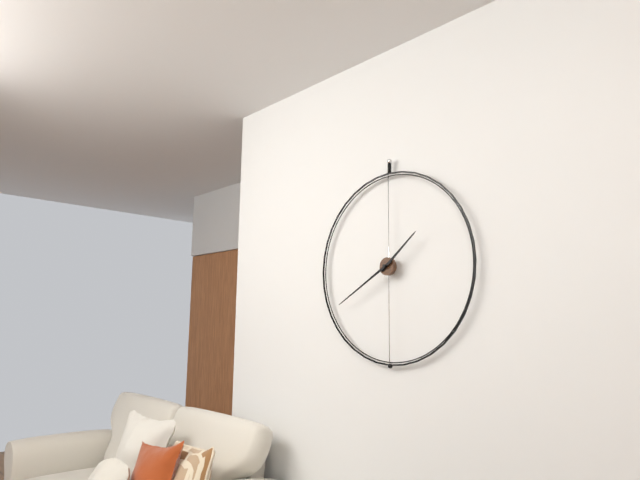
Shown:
**1:40**
